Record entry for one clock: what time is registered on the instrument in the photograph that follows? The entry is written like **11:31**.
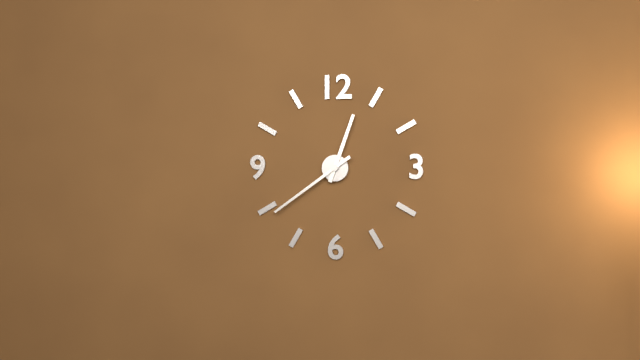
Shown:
**12:39**
